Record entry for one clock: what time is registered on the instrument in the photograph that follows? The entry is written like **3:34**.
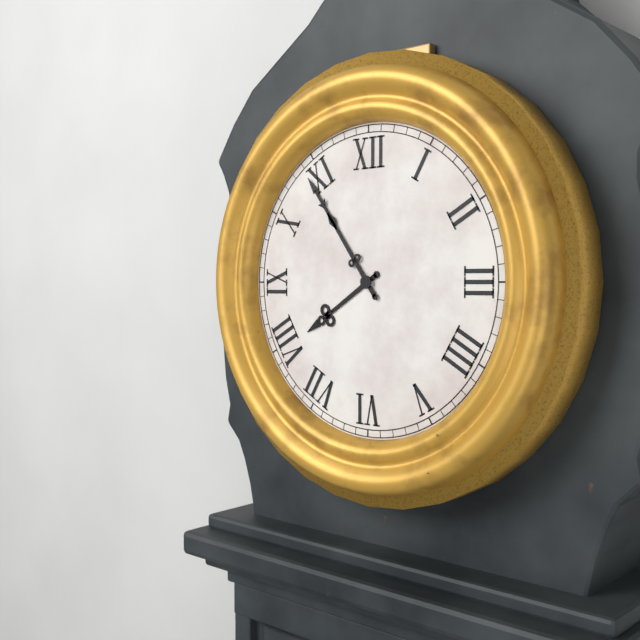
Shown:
**7:54**
